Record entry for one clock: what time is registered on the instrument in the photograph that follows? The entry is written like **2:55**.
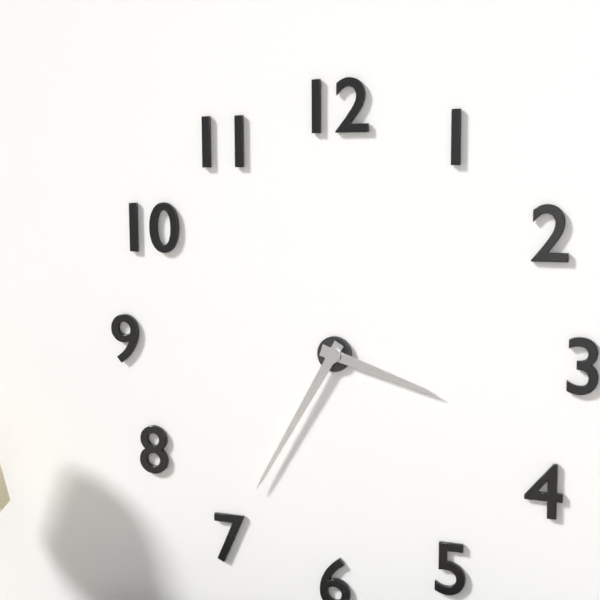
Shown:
**3:35**
